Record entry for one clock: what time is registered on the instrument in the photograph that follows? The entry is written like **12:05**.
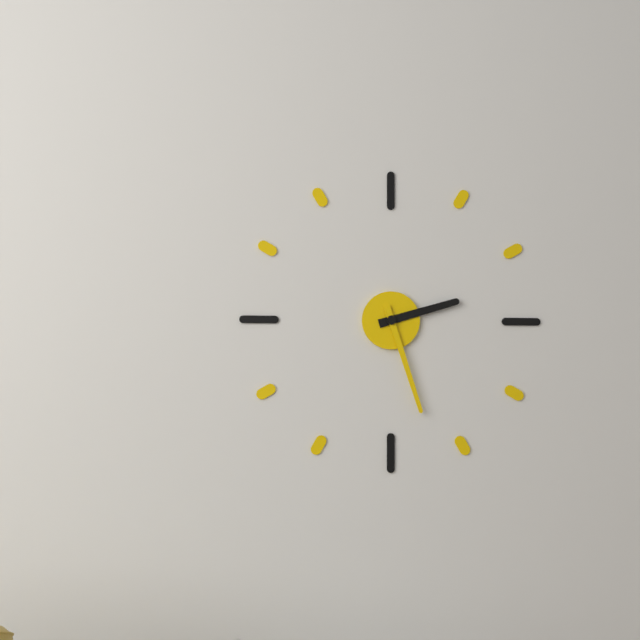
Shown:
**2:27**
